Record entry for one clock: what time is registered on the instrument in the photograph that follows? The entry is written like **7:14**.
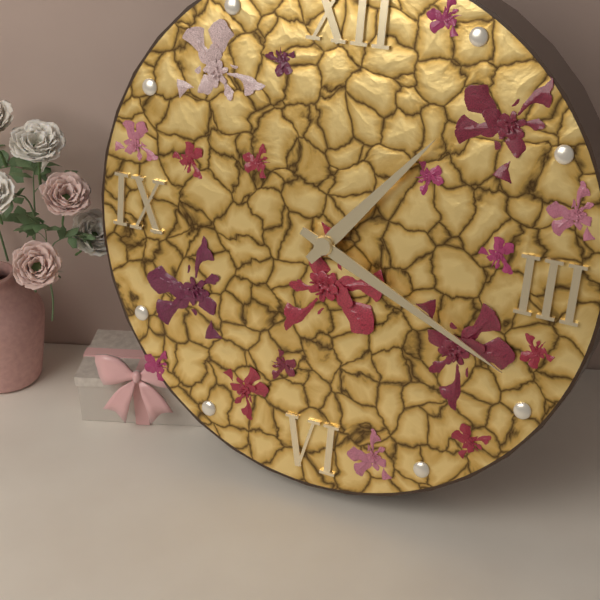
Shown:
**1:19**
